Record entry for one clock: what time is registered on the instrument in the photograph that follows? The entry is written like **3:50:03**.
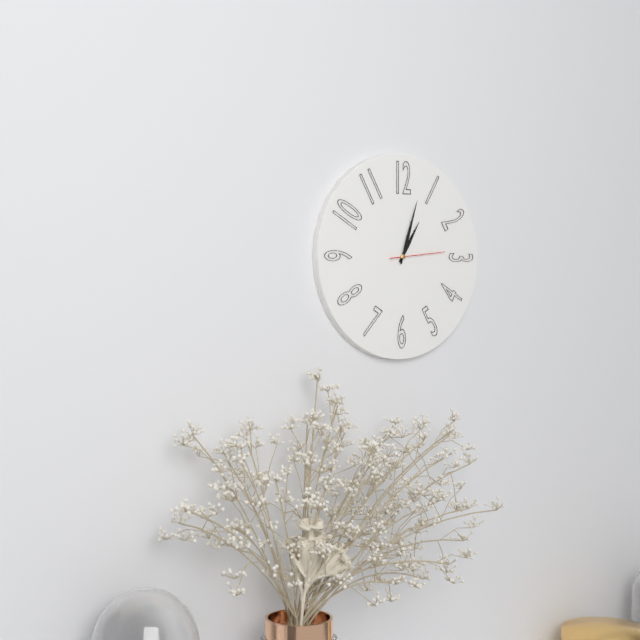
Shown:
**1:03:14**
